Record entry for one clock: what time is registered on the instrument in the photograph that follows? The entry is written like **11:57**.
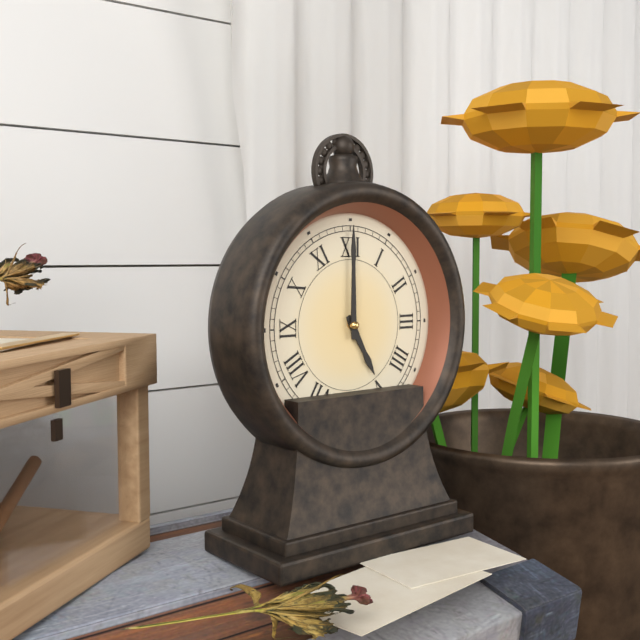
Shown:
**5:00**
